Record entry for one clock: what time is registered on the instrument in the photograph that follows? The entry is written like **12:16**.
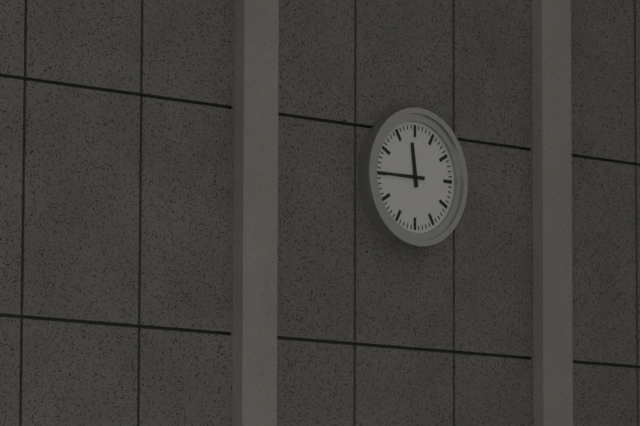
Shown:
**11:45**
